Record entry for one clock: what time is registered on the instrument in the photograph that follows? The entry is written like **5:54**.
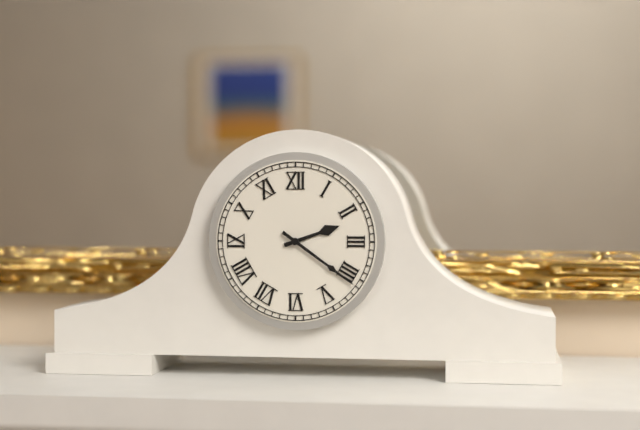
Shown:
**2:21**
